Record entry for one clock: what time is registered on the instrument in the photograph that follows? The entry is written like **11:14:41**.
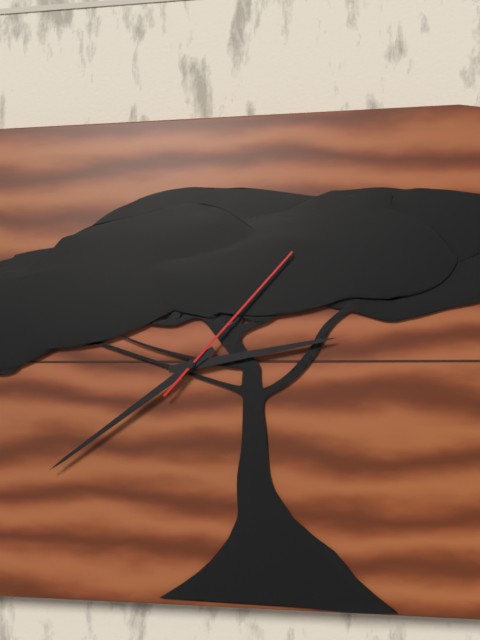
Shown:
**2:39:07**
